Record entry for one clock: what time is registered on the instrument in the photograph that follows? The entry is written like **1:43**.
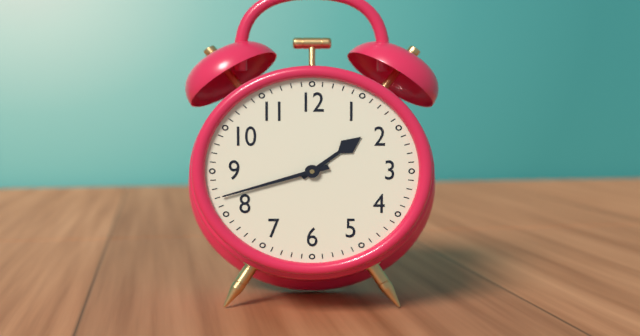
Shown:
**1:42**
